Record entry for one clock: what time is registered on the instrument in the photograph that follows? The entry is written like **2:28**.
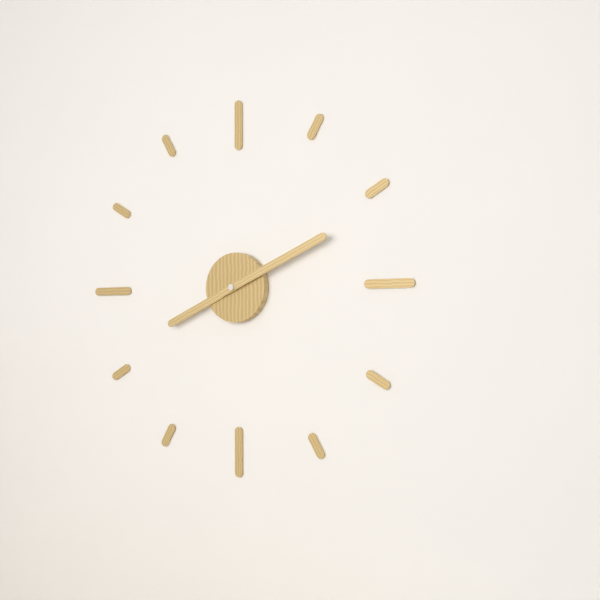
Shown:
**8:11**
